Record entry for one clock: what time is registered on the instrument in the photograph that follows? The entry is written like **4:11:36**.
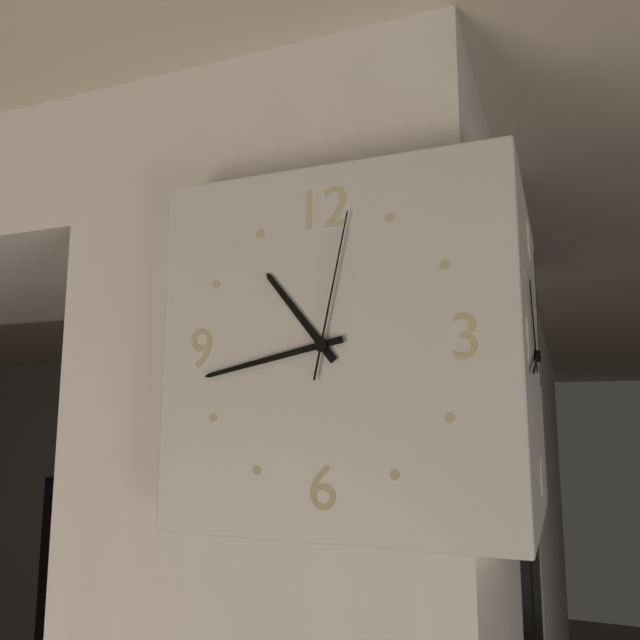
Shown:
**10:43:02**
